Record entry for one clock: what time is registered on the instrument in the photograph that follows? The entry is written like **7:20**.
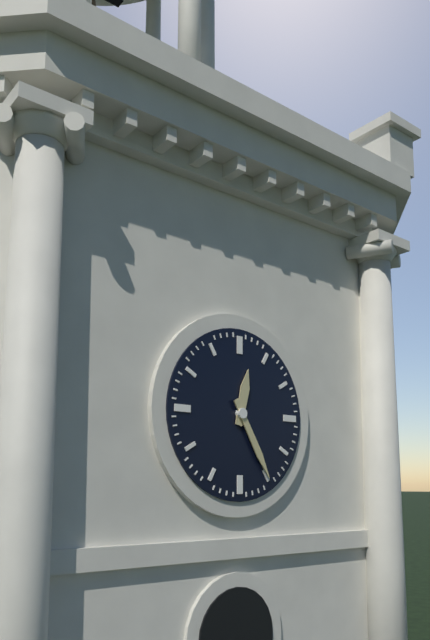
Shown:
**12:25**
